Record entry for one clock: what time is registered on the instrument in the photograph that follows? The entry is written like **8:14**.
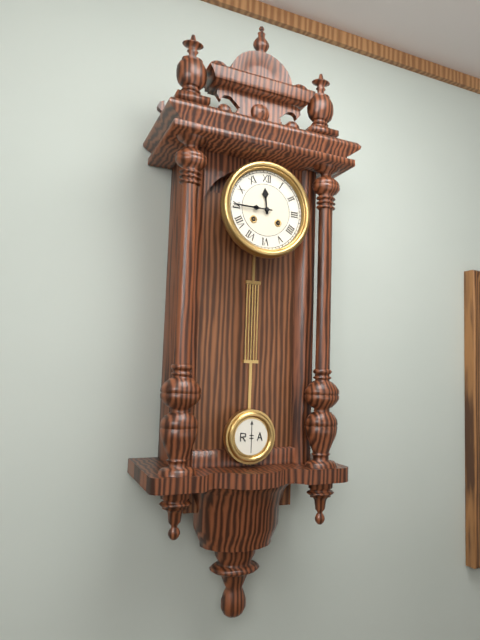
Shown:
**11:45**
